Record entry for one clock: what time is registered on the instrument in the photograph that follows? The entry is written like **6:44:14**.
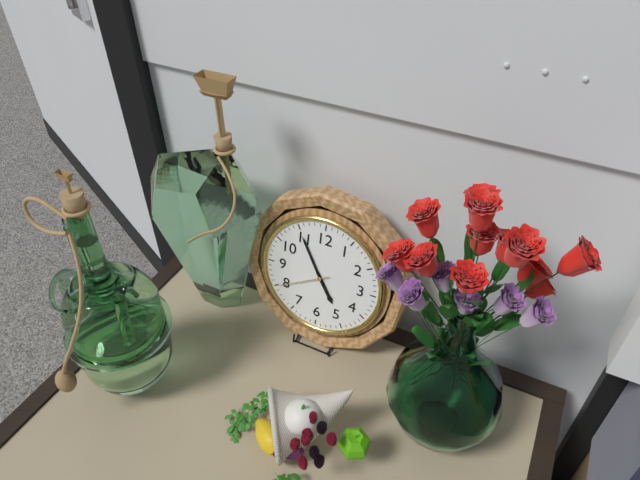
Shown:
**4:55:40**
